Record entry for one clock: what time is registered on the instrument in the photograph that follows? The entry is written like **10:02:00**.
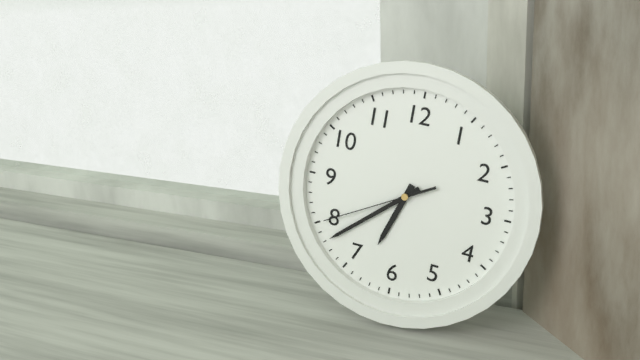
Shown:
**6:38:40**
